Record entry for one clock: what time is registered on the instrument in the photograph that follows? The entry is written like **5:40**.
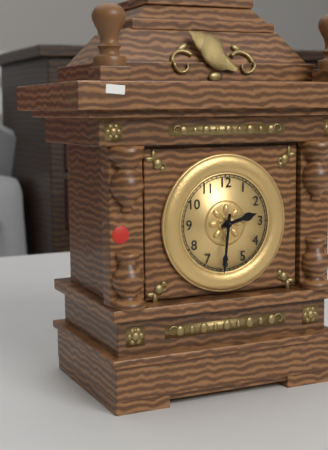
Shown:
**2:31**
